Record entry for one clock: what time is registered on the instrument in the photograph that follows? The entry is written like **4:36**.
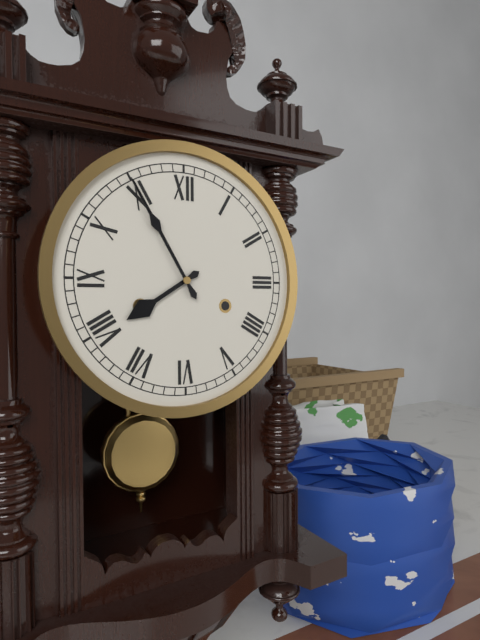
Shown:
**7:55**
